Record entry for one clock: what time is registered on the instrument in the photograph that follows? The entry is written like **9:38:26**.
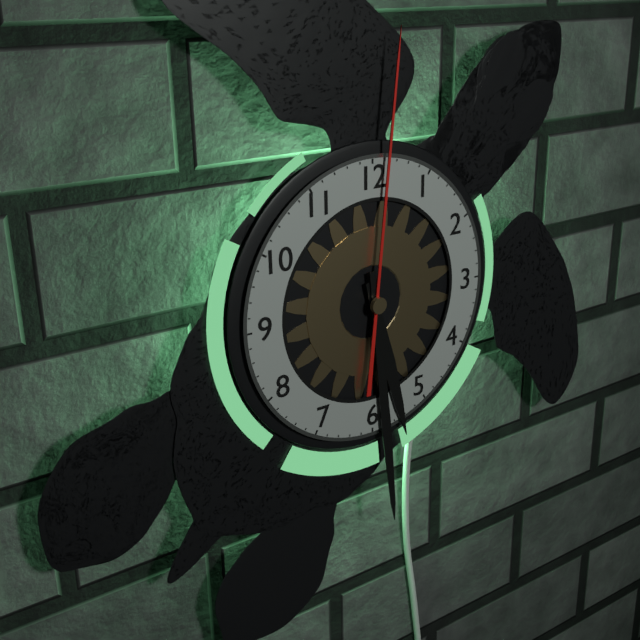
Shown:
**5:29:01**
